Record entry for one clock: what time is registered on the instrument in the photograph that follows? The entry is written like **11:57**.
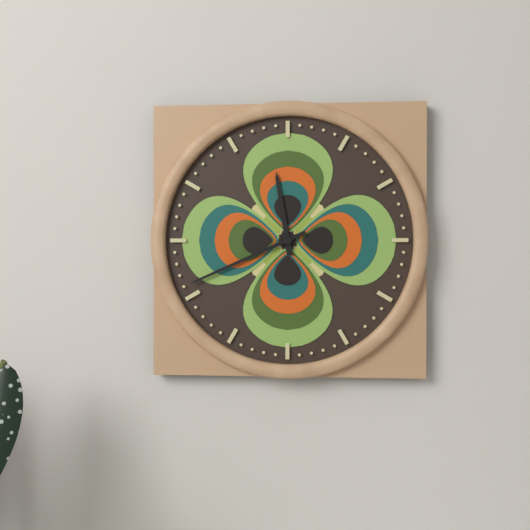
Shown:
**11:41**
